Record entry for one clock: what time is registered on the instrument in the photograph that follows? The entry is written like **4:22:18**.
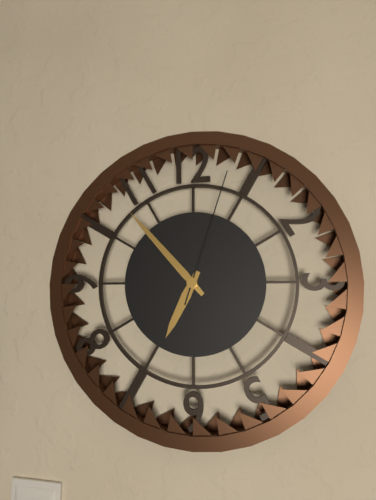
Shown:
**6:53:03**
